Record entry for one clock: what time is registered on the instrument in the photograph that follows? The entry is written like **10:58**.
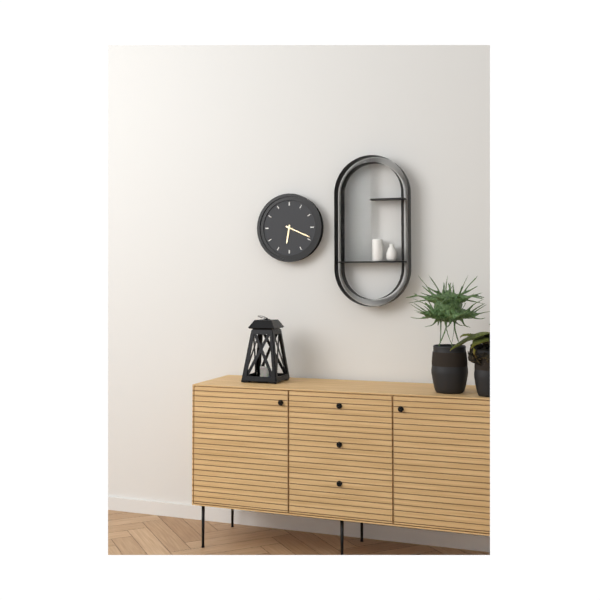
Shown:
**6:19**
